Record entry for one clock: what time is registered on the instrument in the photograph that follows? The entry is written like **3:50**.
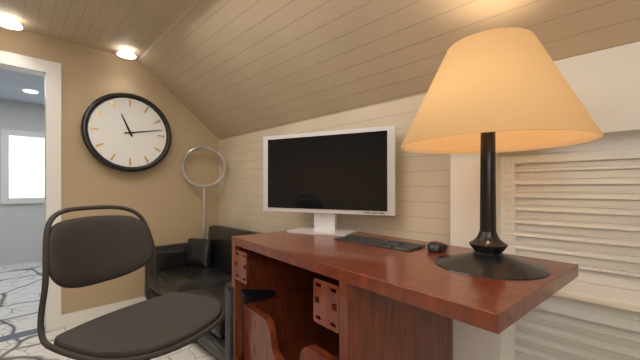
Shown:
**11:13**
